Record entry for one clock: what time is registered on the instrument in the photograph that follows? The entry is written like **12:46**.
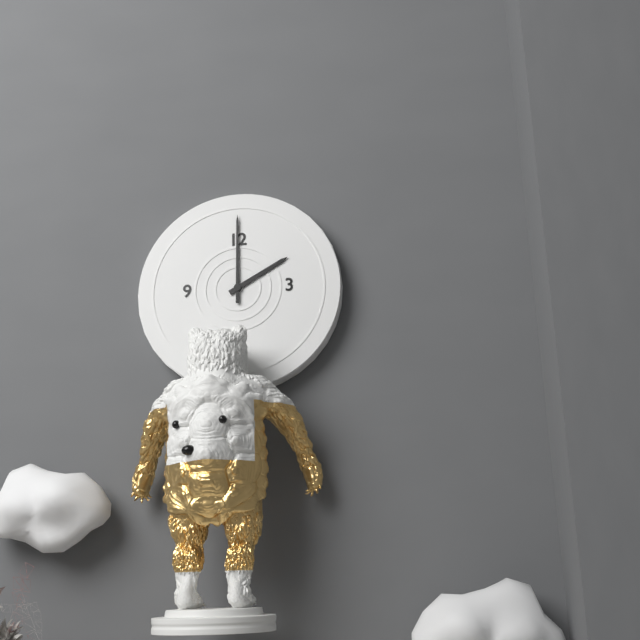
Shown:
**2:00**
